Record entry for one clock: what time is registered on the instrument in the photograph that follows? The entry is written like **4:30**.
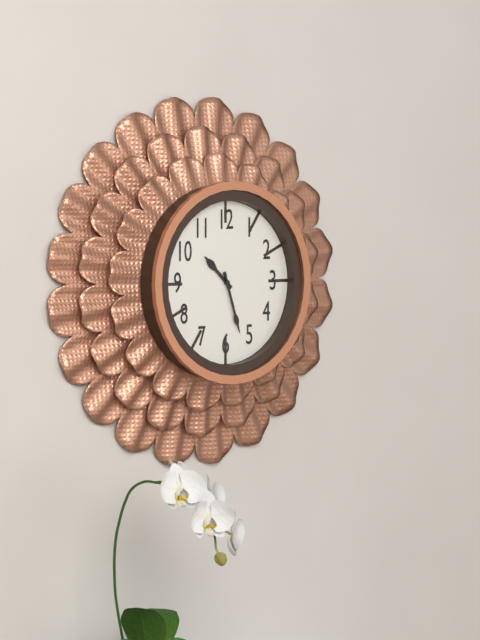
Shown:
**10:27**
